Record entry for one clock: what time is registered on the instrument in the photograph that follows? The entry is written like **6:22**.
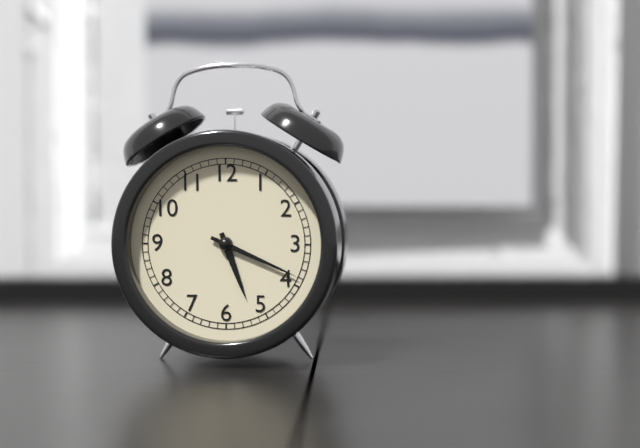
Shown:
**5:19**
